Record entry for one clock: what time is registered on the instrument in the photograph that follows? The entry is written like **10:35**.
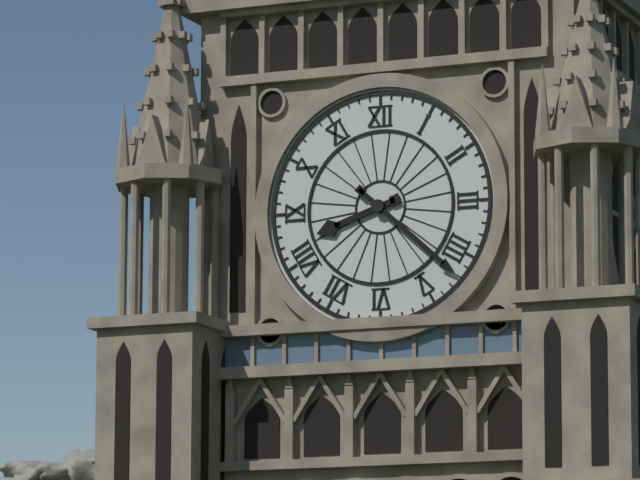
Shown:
**8:22**
